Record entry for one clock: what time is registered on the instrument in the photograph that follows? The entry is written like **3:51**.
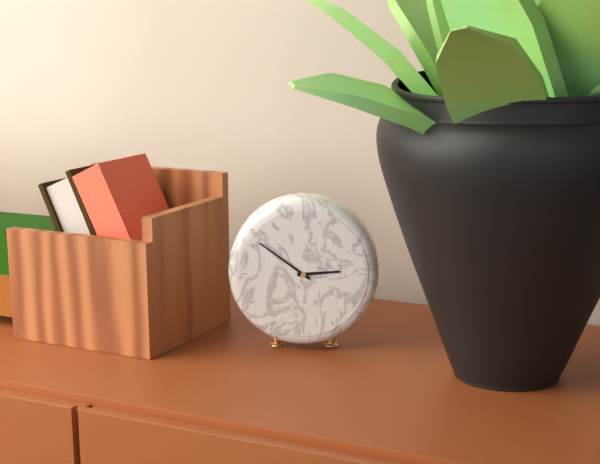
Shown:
**2:51**
